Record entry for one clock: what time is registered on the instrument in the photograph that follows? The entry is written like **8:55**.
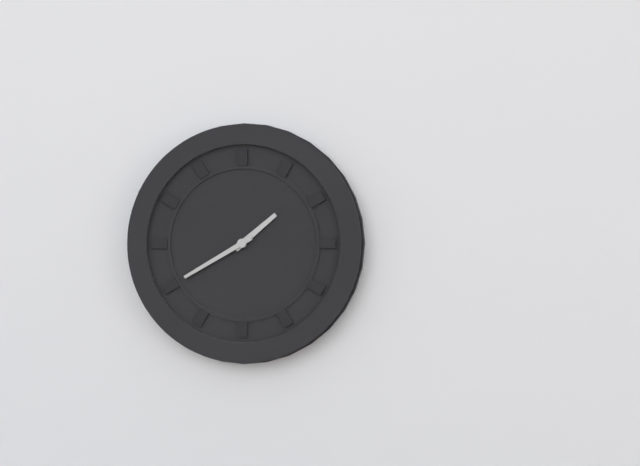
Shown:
**1:40**
